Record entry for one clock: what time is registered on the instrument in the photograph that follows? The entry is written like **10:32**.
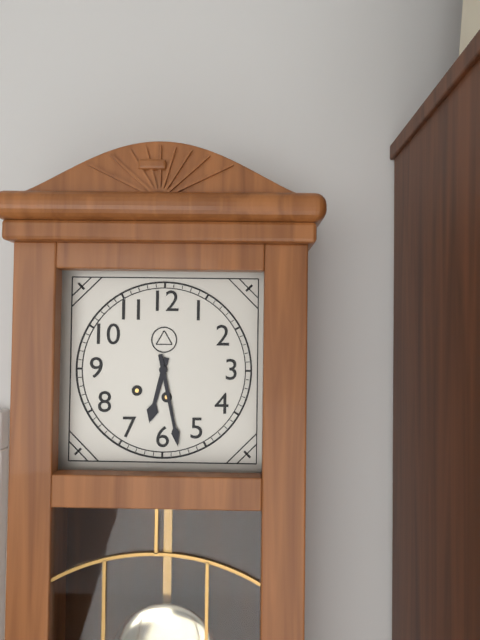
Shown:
**6:28**
